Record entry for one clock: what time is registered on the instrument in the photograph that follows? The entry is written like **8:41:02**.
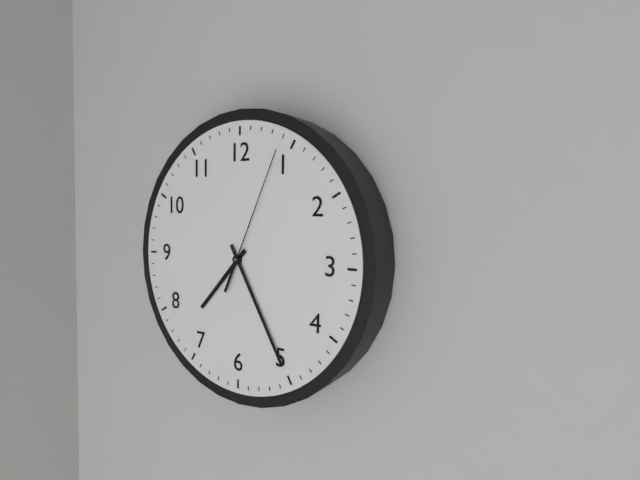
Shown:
**7:25:04**
